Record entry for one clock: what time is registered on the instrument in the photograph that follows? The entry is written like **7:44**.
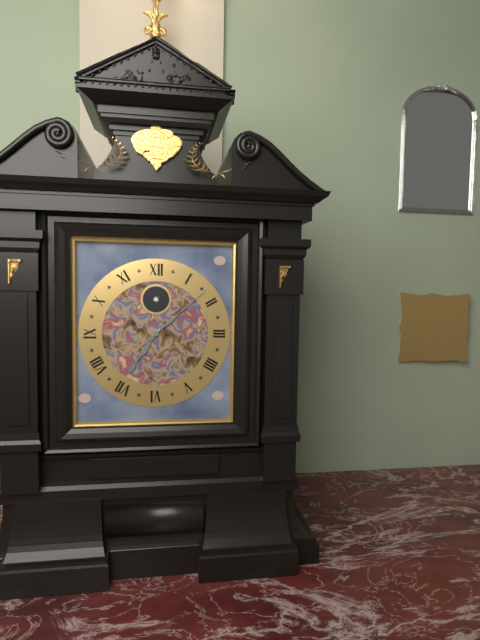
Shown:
**7:08**
